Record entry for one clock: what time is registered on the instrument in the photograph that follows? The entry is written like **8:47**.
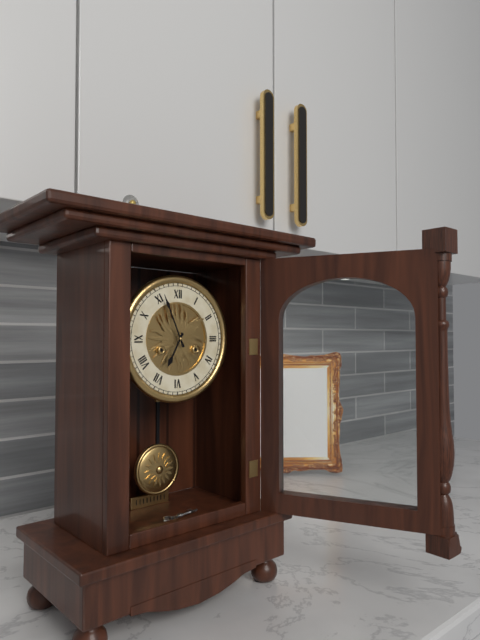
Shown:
**6:56**
